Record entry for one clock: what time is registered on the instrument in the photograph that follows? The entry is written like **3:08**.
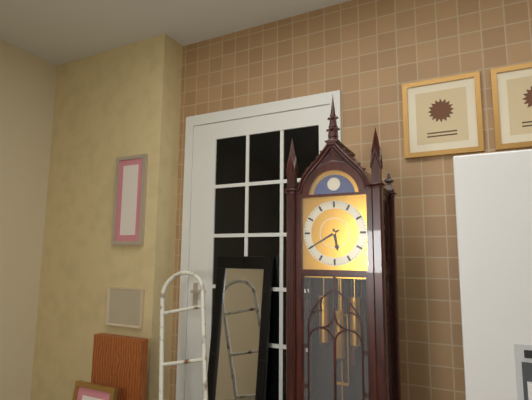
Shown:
**5:40**
